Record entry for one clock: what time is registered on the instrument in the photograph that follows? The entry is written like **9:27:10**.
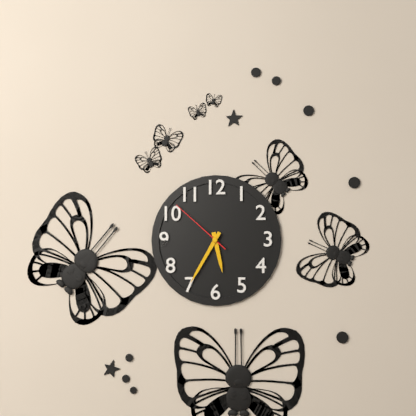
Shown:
**5:35:52**
